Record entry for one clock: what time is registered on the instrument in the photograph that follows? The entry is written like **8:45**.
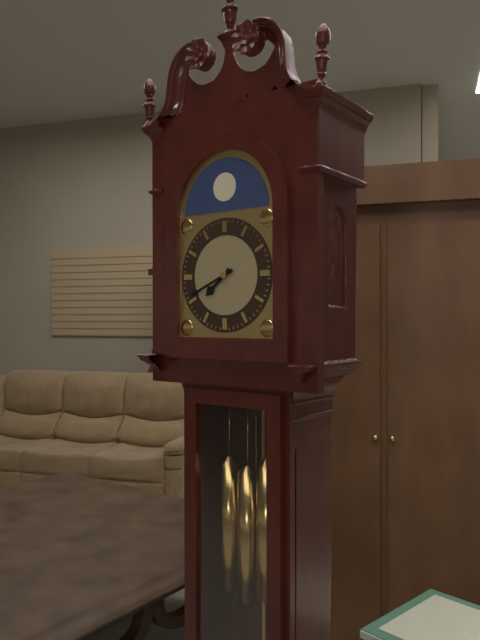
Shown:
**7:41**
